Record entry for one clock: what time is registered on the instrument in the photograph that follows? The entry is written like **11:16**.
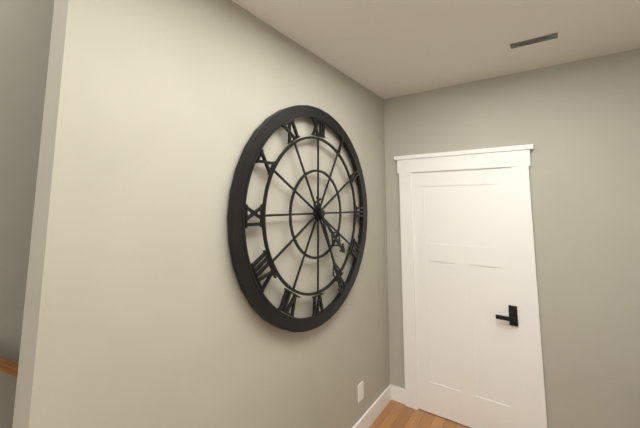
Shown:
**4:26**
